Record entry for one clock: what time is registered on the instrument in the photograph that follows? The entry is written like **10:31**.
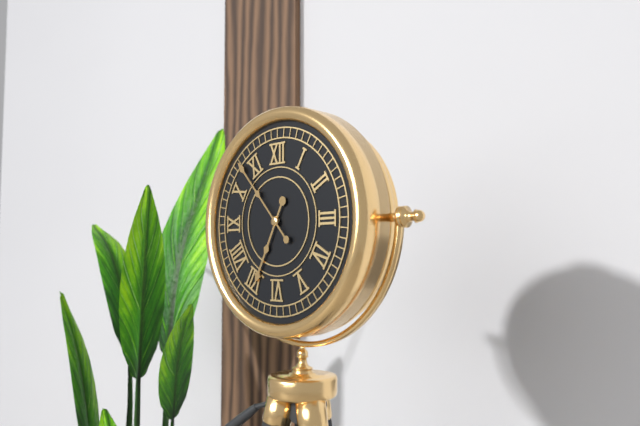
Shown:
**6:53**
